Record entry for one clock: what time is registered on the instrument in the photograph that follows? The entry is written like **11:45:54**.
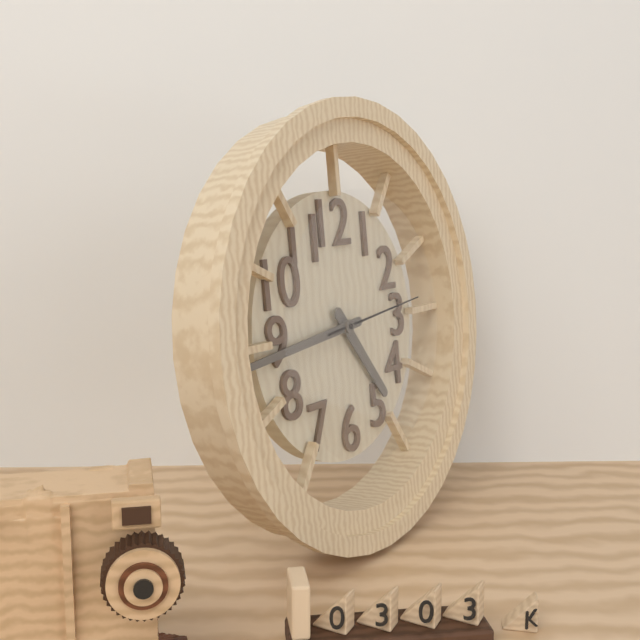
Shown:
**4:44:14**
